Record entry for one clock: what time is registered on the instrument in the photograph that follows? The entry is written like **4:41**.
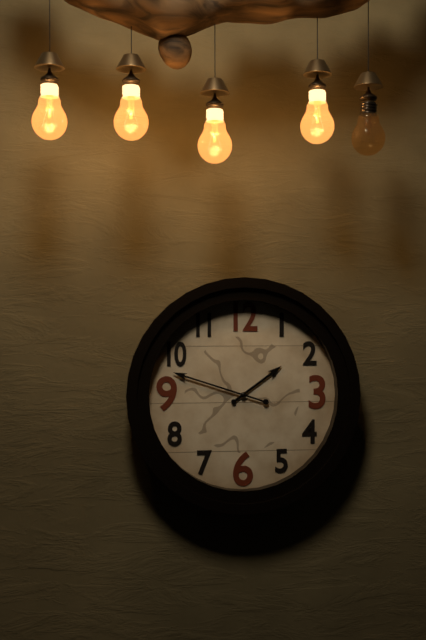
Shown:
**1:48**
